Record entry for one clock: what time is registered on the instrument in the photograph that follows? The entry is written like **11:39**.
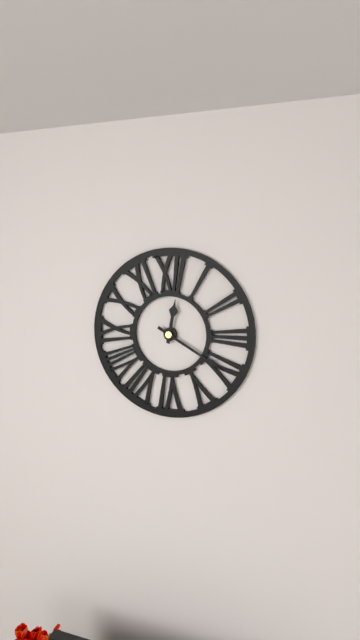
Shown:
**12:20**
